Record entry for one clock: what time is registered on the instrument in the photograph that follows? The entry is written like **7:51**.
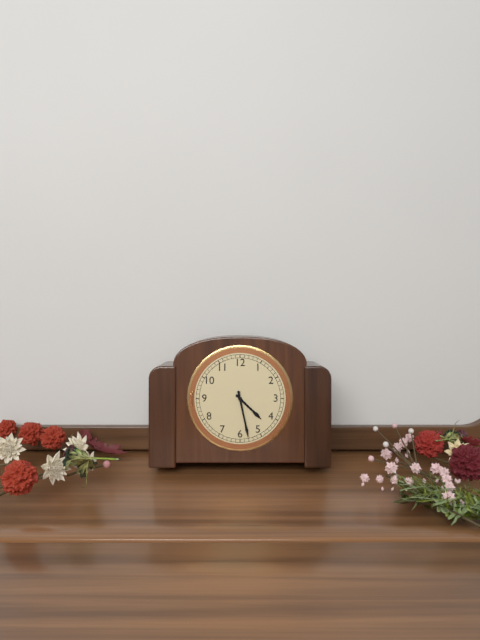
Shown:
**4:28**
